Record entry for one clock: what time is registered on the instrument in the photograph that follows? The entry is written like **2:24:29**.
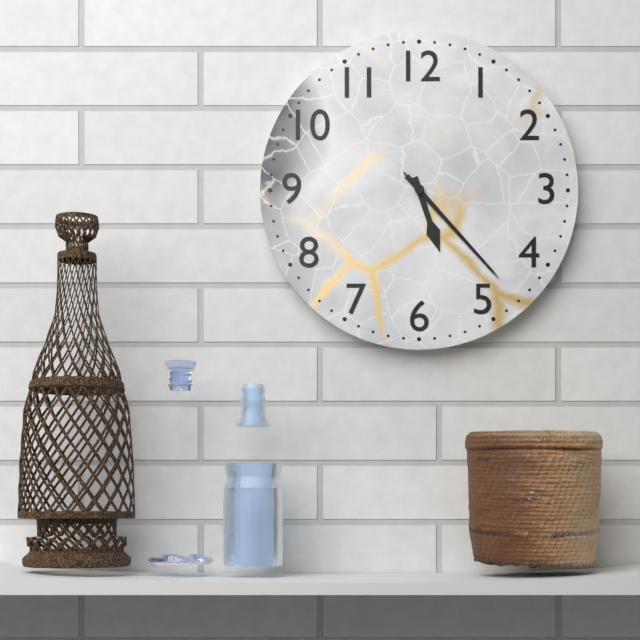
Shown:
**5:23:23**
